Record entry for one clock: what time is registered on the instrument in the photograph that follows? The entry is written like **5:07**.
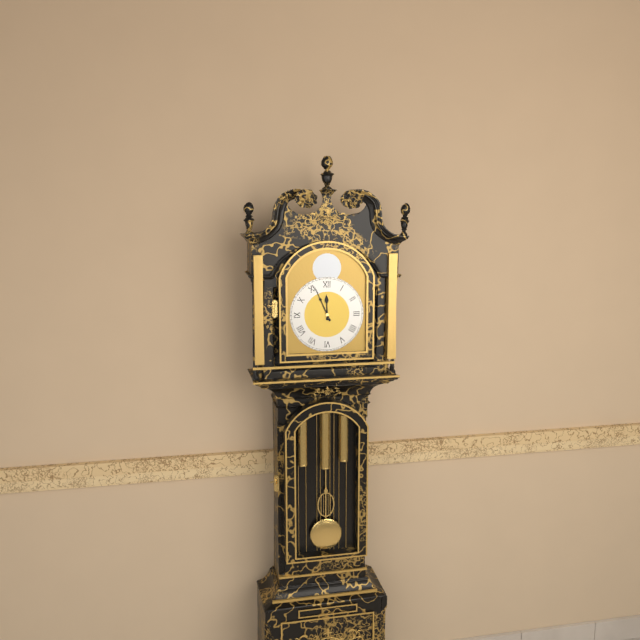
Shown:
**11:56**
